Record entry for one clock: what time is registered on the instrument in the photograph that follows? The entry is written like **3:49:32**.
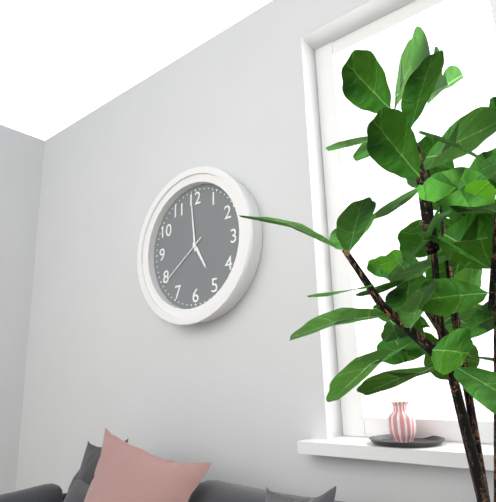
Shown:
**4:59:39**
